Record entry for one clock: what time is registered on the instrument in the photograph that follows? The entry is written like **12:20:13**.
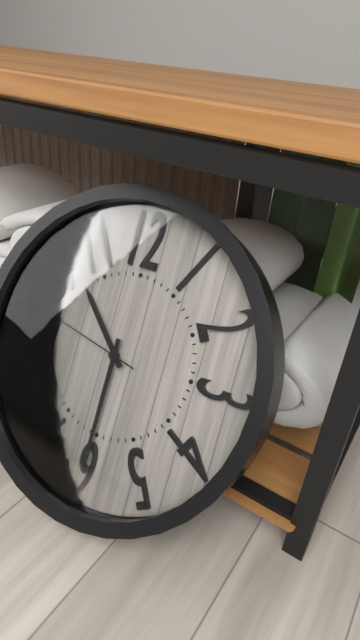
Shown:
**10:30:47**
